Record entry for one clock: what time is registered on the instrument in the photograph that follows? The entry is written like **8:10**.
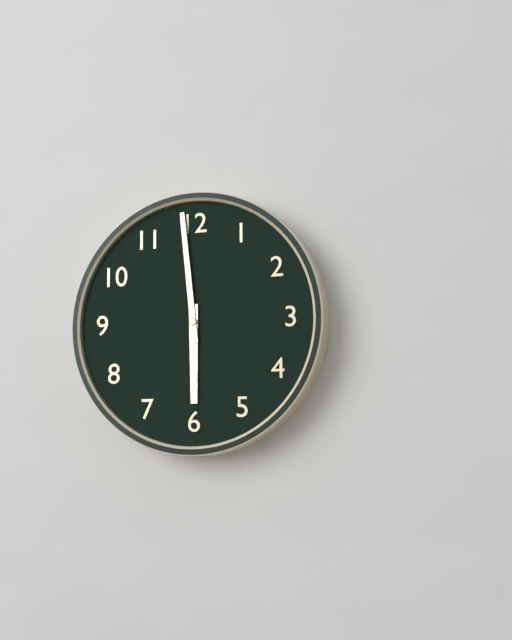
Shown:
**5:59**
